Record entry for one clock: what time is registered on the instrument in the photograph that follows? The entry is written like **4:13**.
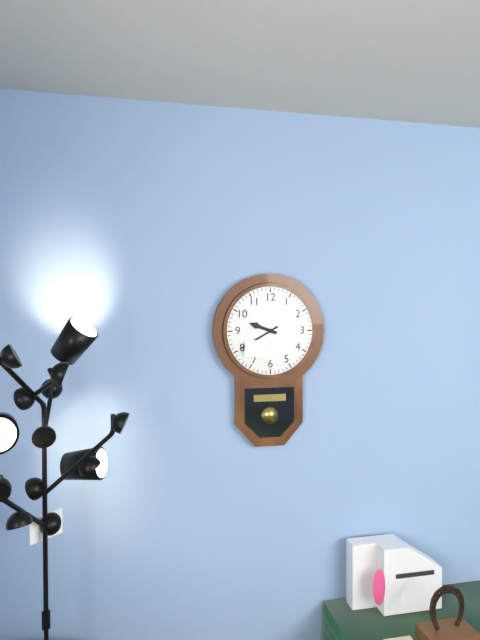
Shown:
**9:40**
